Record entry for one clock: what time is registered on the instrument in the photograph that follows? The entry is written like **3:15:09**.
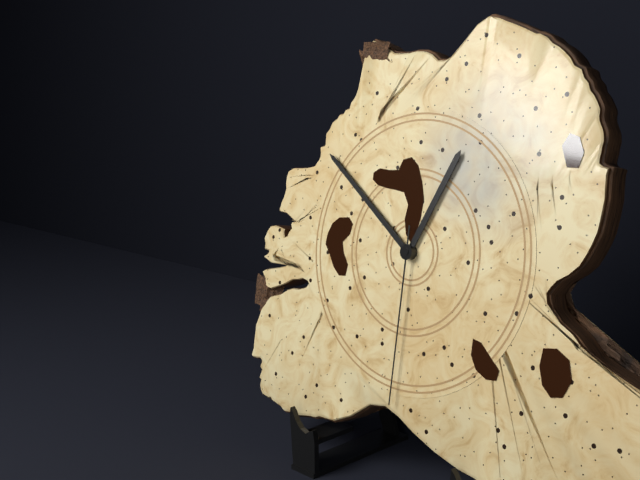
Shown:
**12:51:30**
